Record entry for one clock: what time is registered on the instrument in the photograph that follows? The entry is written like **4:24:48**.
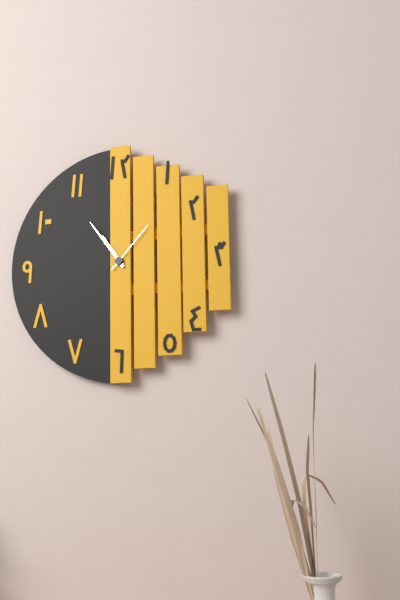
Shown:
**10:54:07**
